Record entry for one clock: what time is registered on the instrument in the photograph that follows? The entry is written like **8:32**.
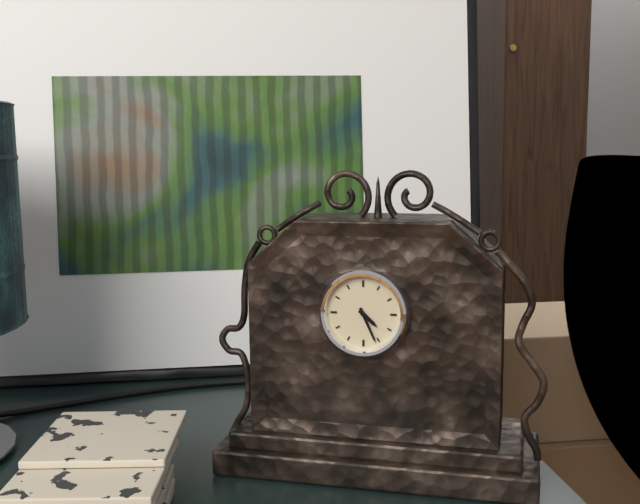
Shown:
**4:26**
